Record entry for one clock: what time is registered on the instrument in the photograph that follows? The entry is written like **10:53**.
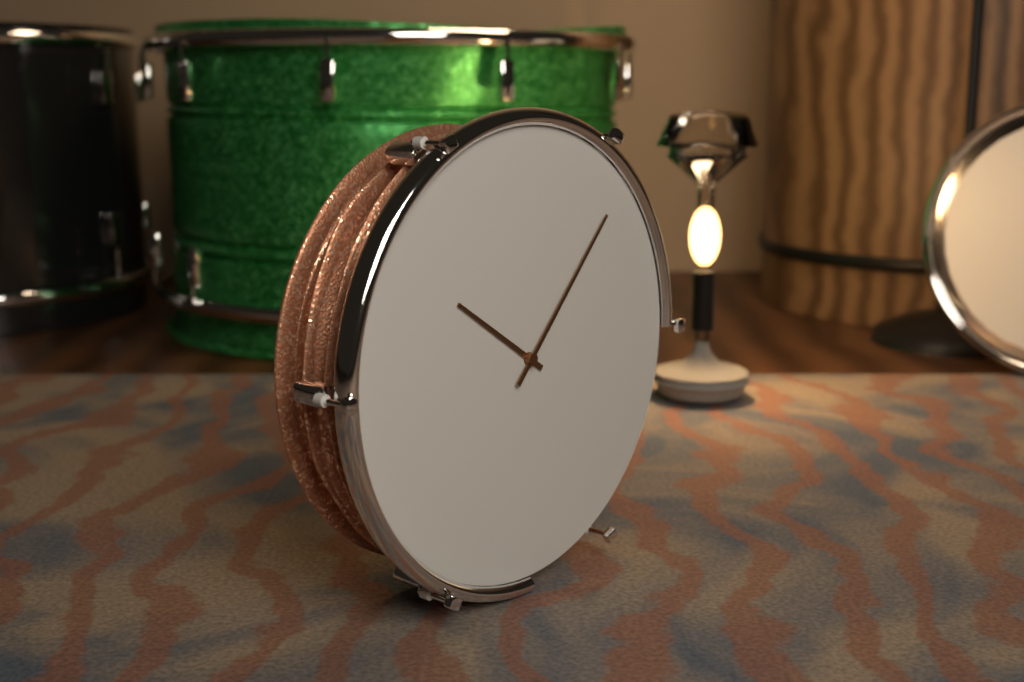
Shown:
**10:07**
